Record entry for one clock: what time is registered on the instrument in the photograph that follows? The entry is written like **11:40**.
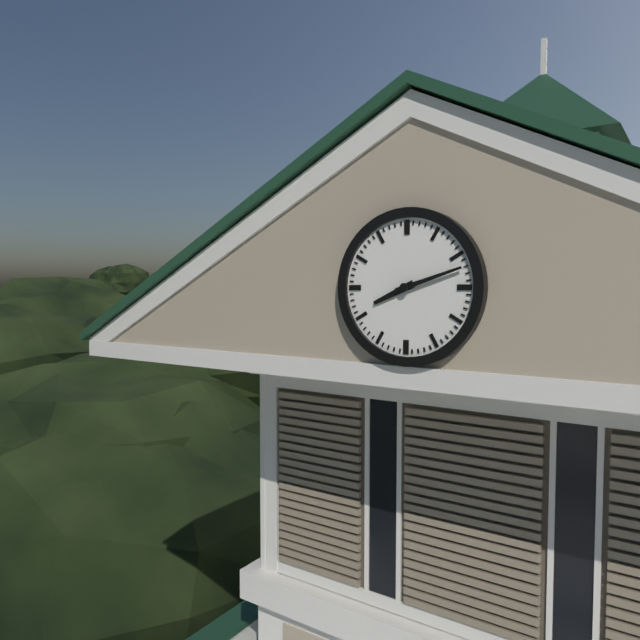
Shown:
**8:12**
